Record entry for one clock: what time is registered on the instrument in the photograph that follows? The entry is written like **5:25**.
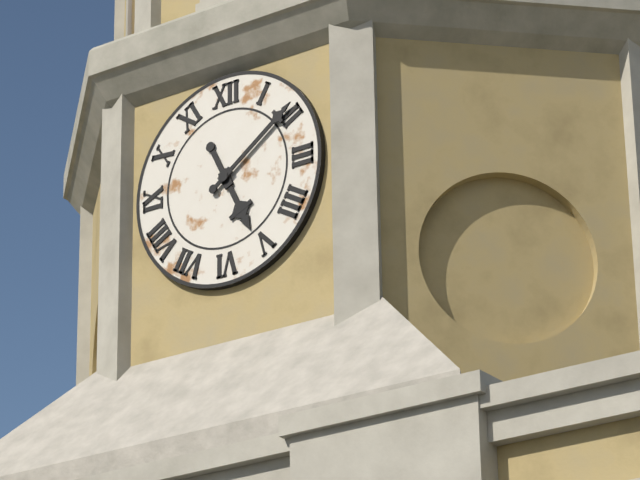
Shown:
**5:09**
